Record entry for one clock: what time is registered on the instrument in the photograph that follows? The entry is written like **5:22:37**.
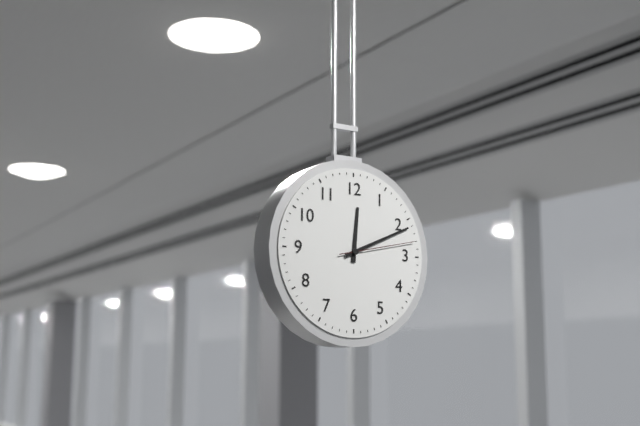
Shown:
**12:11:13**
